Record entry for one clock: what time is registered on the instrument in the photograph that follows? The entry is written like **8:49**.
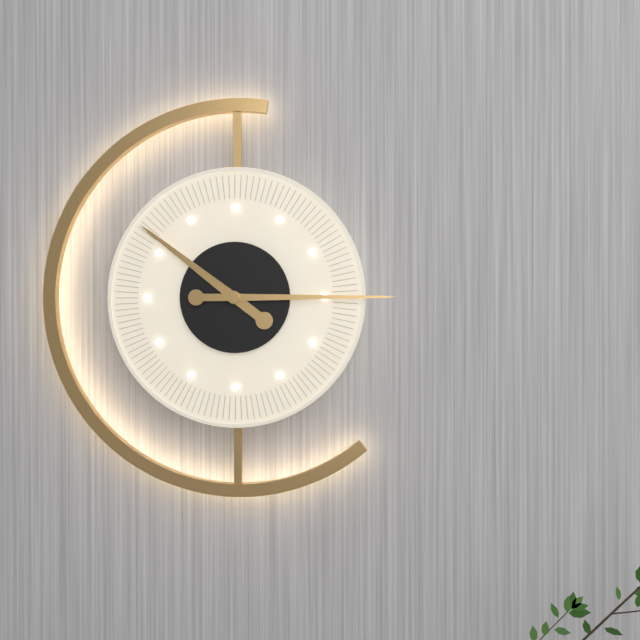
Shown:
**10:15**
